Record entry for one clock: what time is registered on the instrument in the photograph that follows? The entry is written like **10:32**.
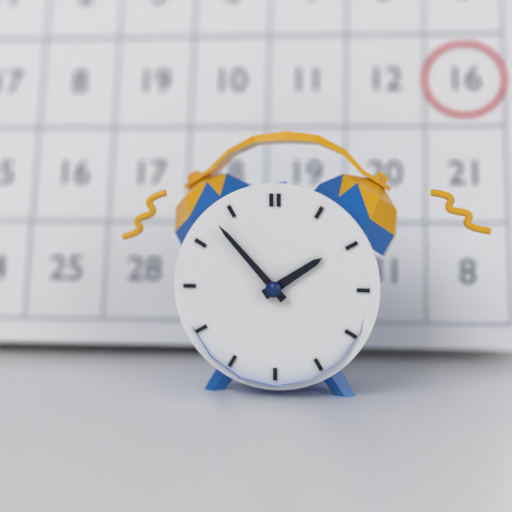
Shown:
**1:53**
